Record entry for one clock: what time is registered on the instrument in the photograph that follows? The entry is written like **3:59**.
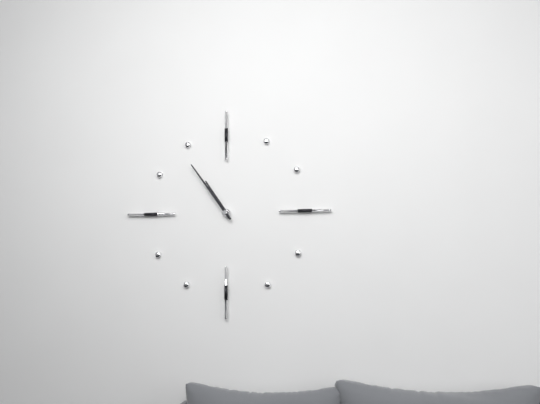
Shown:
**10:54**
